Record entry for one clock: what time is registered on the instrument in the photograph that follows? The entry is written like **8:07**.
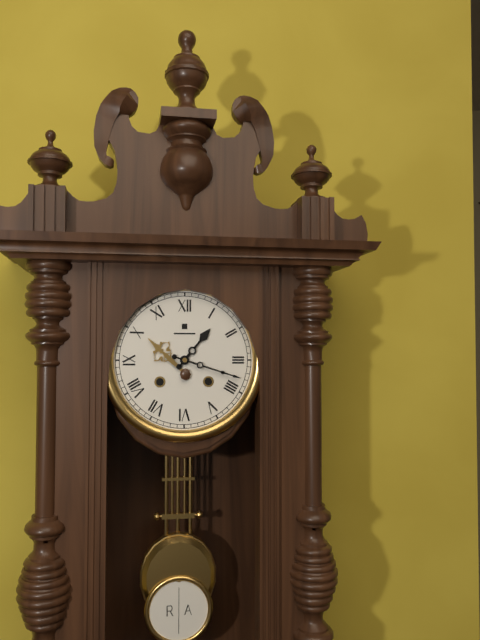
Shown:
**1:18**
